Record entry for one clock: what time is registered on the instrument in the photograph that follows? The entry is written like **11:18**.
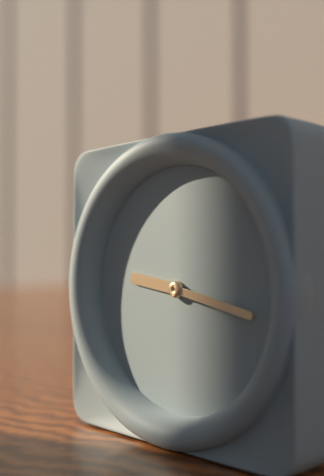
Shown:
**9:17**
